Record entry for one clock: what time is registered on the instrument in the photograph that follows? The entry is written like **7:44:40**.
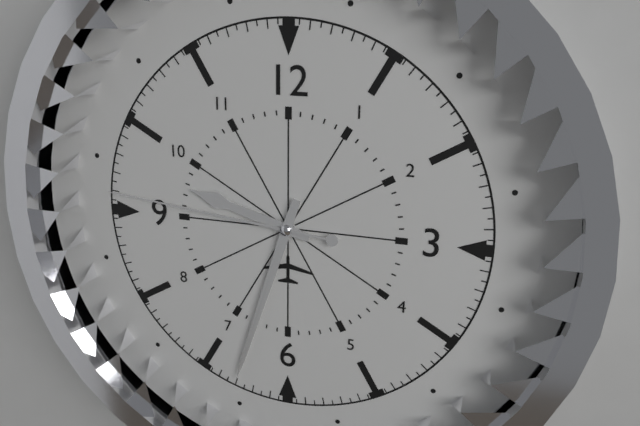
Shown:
**9:33:46**
